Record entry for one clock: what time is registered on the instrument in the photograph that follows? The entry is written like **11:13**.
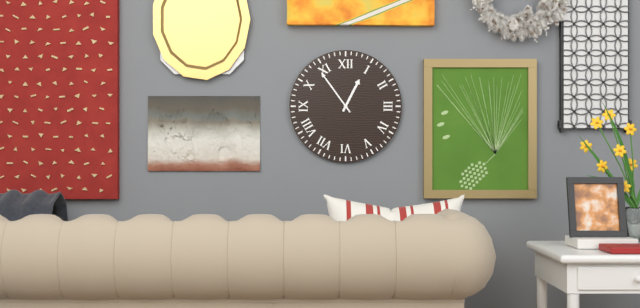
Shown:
**12:54**
